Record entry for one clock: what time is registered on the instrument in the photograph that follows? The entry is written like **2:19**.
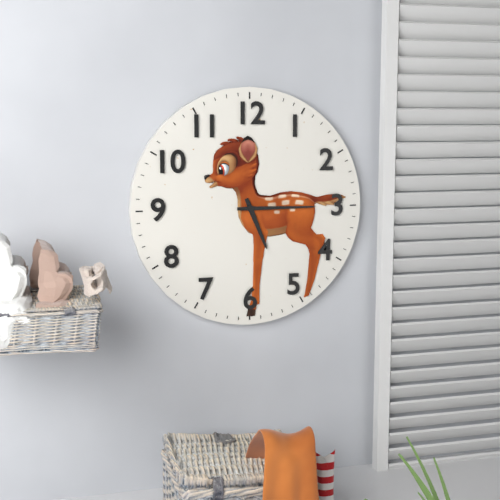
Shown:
**5:15**
